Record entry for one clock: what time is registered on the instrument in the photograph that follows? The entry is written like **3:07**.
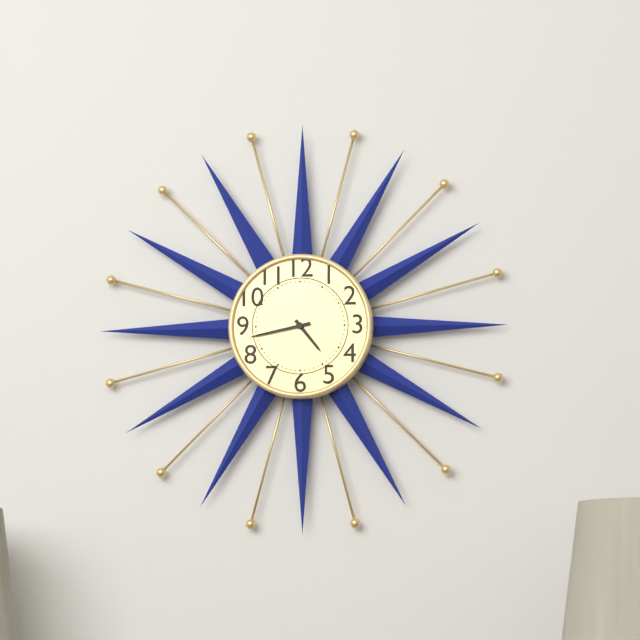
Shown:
**4:43**
